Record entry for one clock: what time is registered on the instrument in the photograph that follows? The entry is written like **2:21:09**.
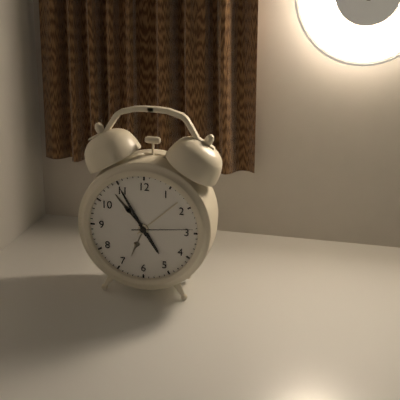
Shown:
**4:55:14**
